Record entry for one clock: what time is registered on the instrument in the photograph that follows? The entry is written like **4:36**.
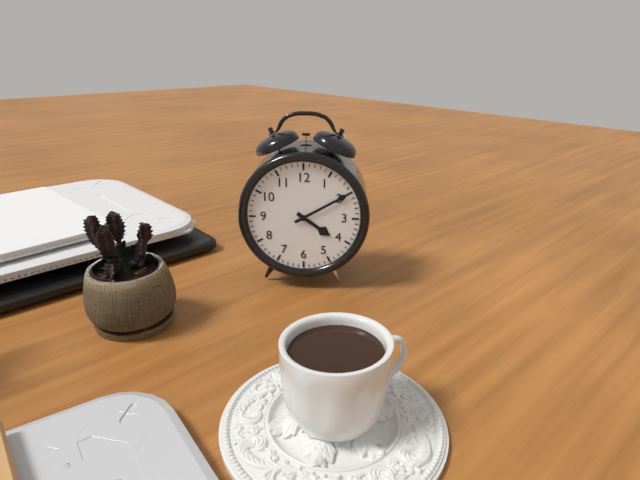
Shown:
**4:10**
